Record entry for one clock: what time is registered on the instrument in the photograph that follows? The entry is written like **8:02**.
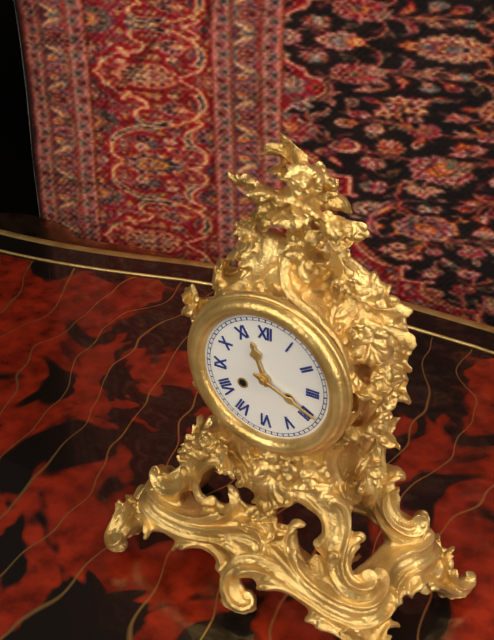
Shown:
**11:19**
